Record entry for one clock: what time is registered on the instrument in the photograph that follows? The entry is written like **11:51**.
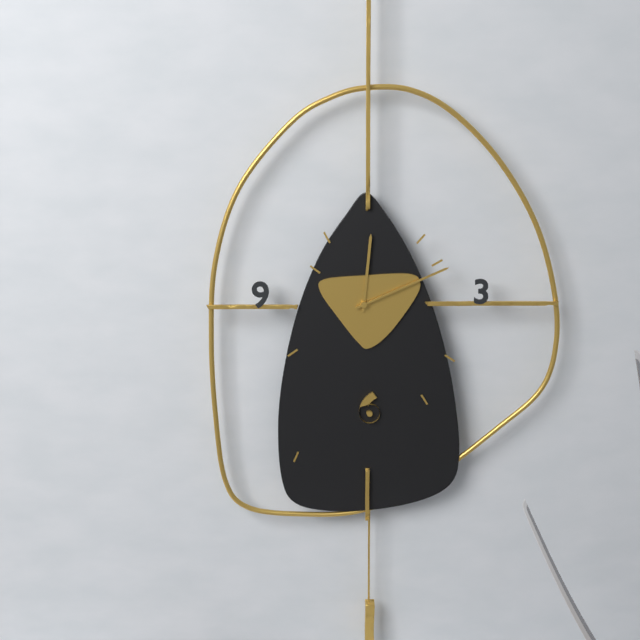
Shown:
**12:11**
